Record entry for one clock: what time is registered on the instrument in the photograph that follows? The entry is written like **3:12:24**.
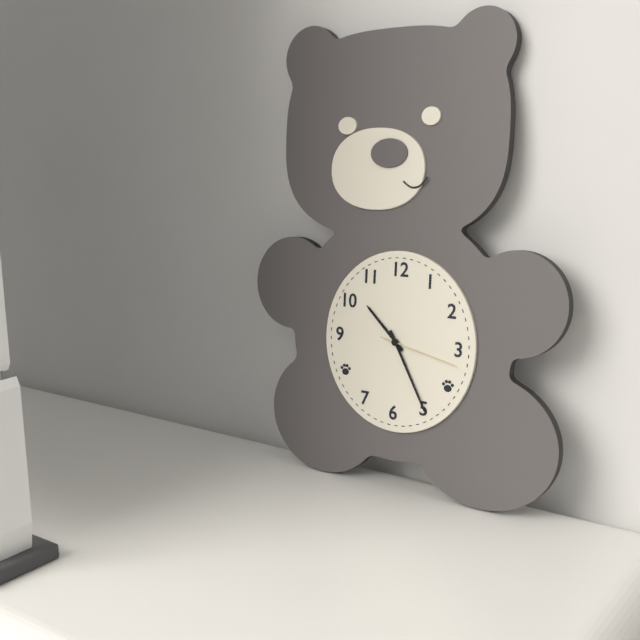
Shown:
**10:25:17**
